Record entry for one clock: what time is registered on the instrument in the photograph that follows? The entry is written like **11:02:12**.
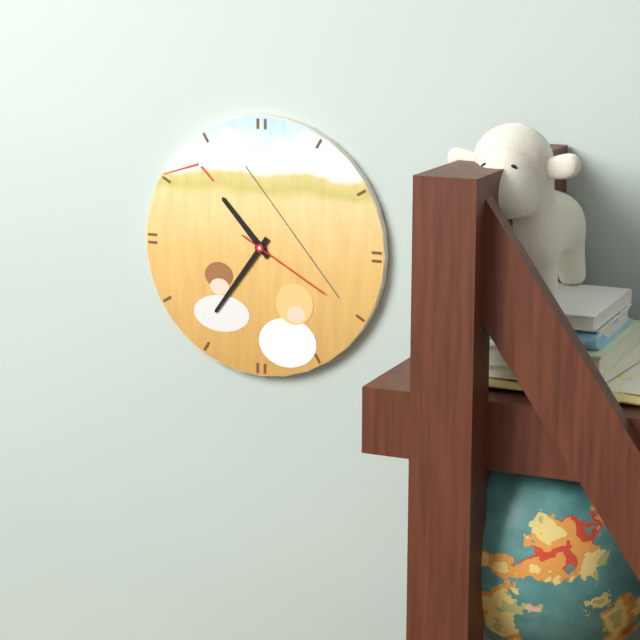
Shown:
**10:36:20**
